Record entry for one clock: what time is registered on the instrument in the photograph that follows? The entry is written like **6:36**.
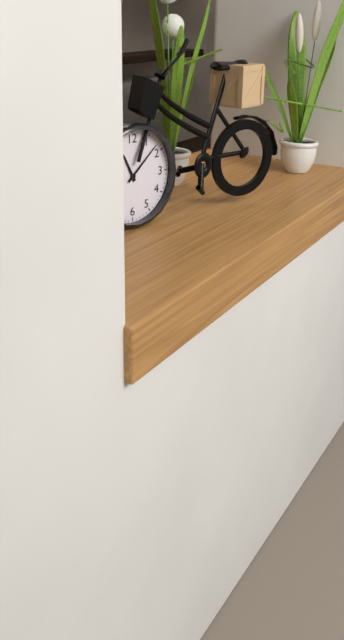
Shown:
**11:08**
